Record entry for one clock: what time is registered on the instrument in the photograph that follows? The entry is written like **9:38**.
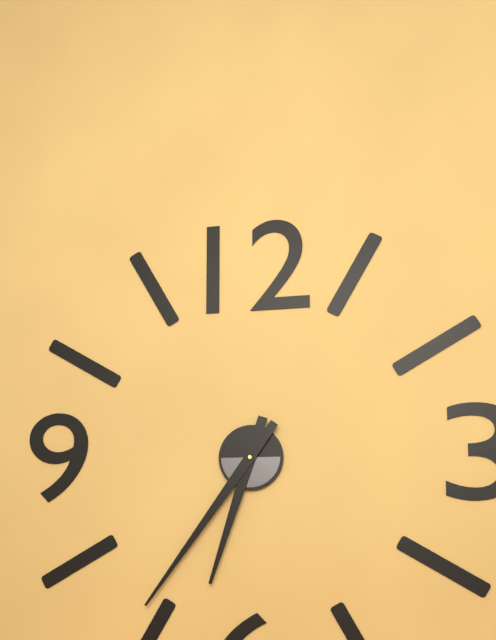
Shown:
**6:36**
